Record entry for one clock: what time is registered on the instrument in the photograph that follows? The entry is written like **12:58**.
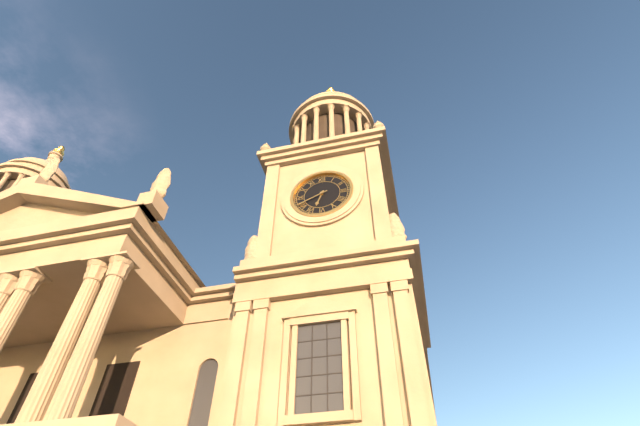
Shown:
**6:41**
